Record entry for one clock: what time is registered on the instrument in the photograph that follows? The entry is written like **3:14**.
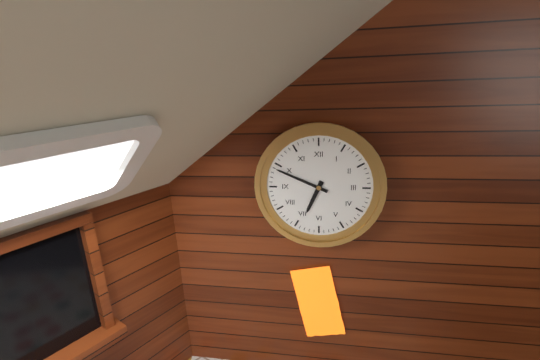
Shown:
**6:49**
